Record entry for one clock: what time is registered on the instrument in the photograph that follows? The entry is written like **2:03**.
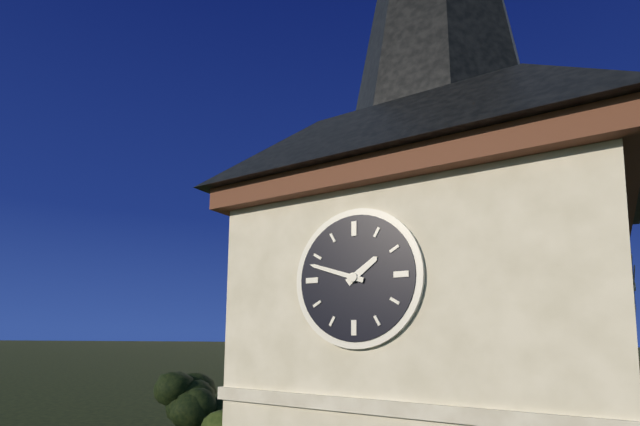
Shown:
**1:48**
